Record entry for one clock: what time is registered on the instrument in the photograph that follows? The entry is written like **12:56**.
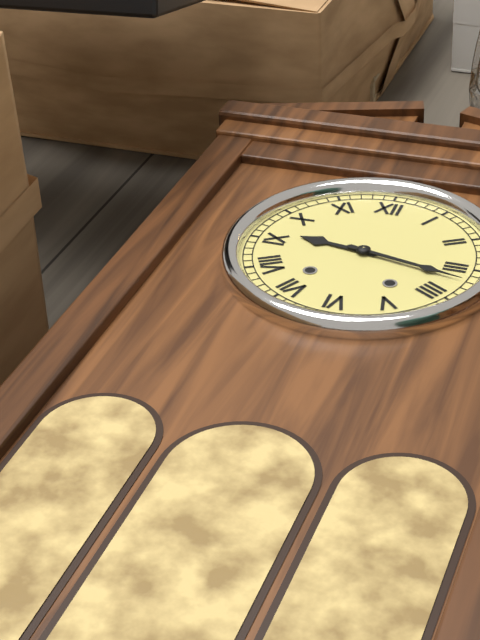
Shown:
**9:17**
